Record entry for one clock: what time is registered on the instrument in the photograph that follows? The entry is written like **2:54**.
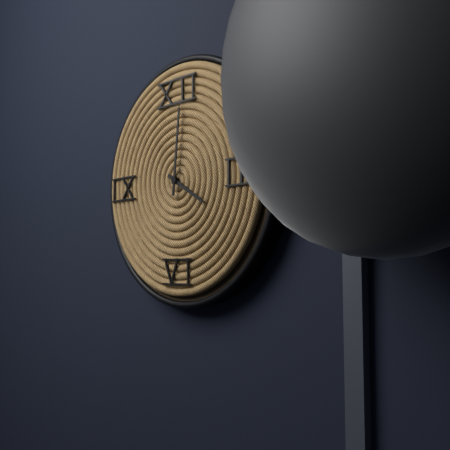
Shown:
**4:01**
